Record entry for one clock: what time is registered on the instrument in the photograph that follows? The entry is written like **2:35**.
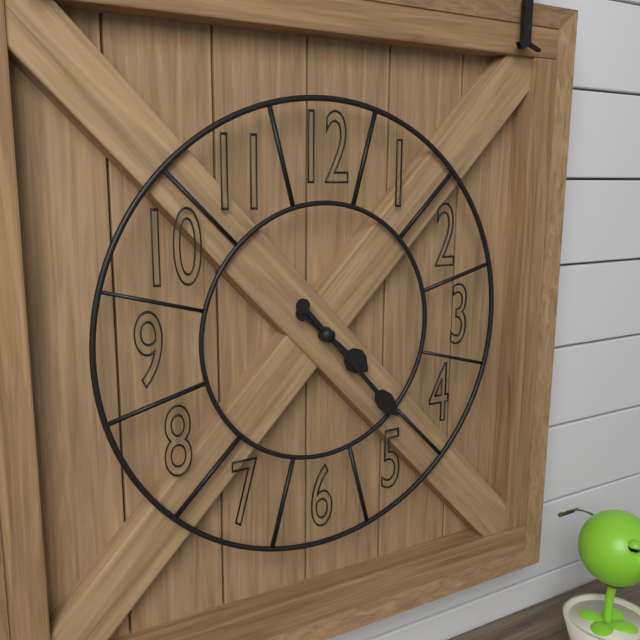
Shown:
**4:23**
